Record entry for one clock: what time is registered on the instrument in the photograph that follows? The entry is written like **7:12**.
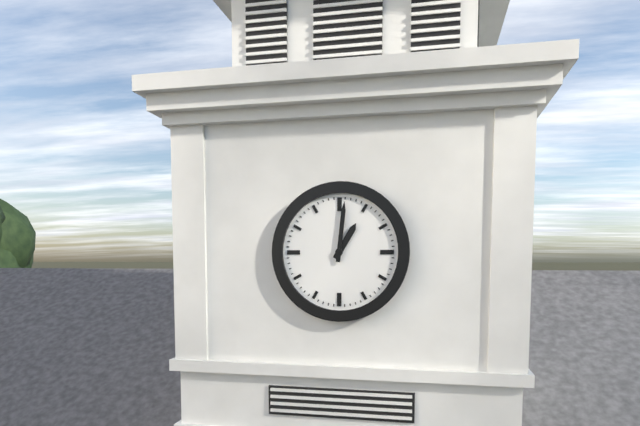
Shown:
**1:01**
